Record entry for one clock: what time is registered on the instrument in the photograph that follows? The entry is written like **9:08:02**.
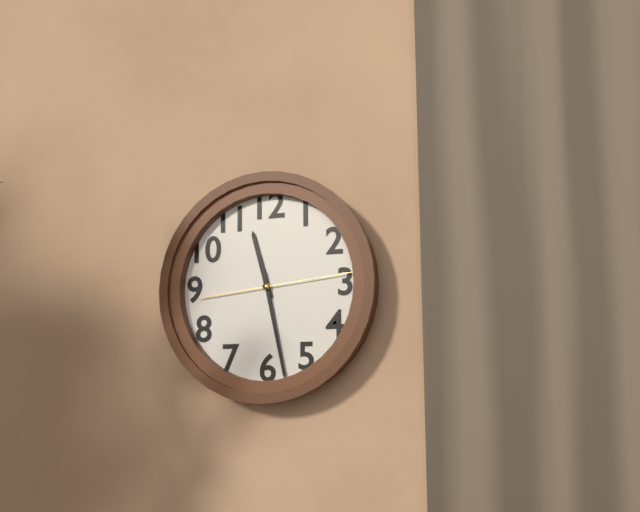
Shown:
**11:28:14**
